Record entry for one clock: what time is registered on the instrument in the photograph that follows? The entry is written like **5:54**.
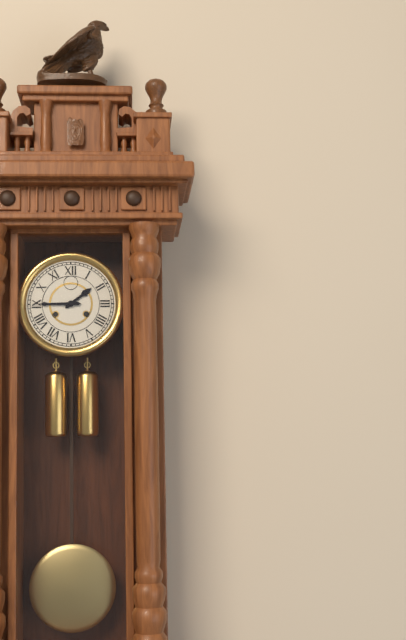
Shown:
**1:45**
